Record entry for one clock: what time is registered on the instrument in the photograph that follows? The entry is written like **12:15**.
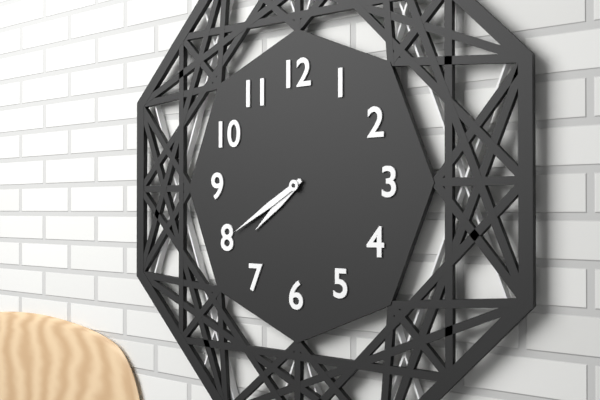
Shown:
**7:40**
